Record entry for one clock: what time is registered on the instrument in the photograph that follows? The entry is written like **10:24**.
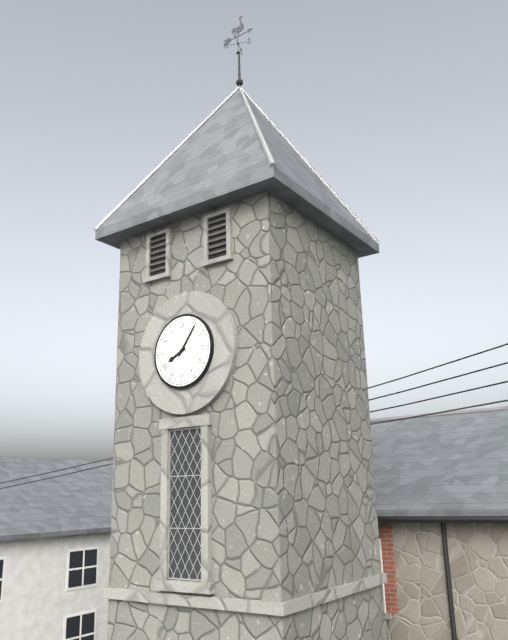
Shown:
**8:06**
